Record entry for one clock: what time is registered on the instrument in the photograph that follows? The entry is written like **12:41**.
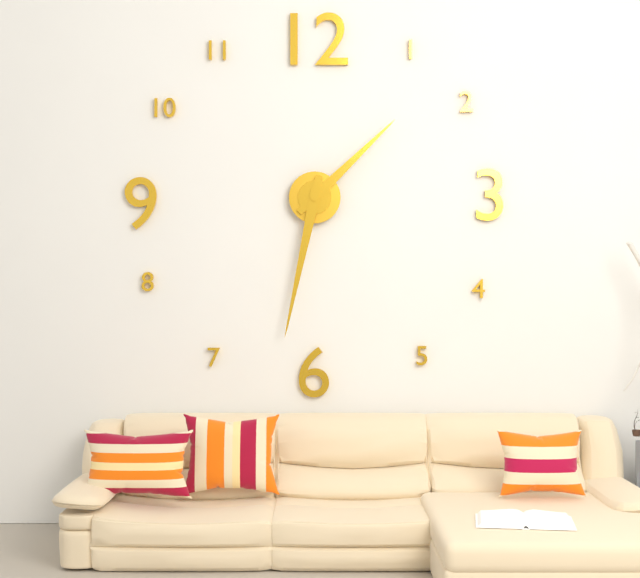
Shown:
**1:32**
